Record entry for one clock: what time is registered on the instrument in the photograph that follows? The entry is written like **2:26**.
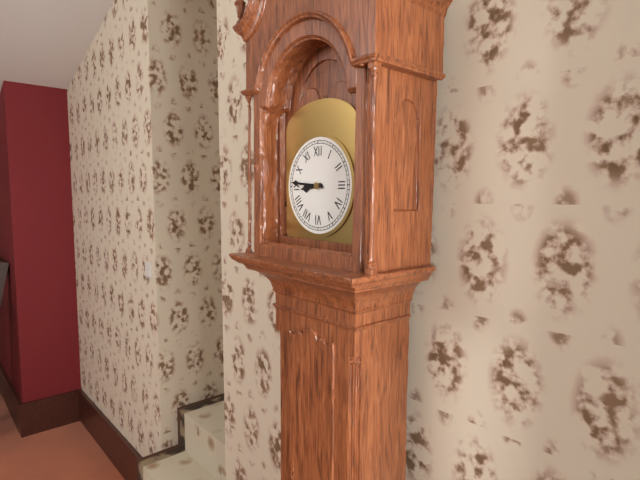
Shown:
**8:46**
